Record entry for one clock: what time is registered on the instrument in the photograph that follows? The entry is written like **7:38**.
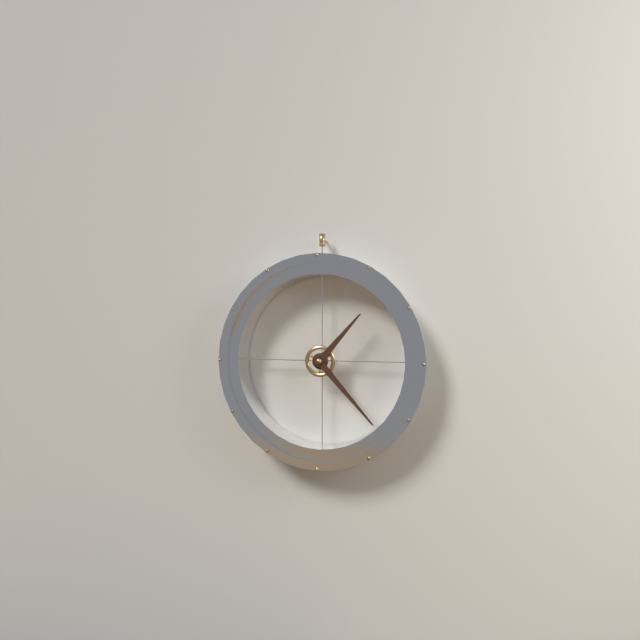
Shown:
**1:23**
